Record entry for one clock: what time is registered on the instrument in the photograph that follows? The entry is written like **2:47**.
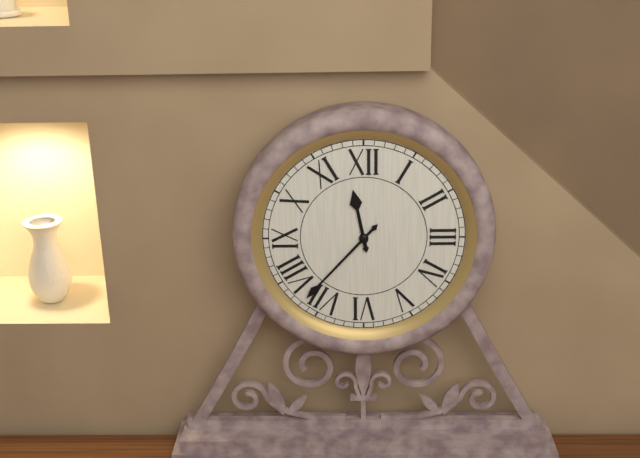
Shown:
**11:37**
